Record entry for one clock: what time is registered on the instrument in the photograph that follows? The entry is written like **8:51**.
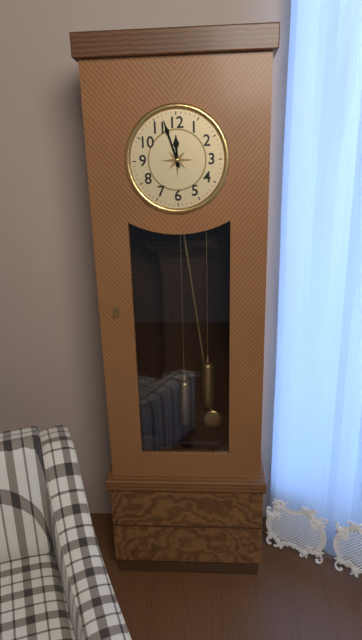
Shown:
**11:57**
